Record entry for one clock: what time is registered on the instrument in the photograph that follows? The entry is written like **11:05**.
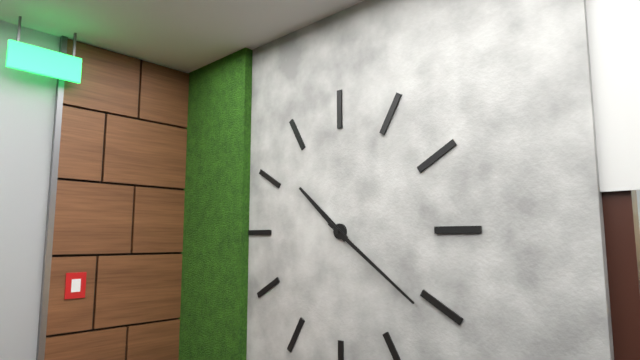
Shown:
**10:21**
